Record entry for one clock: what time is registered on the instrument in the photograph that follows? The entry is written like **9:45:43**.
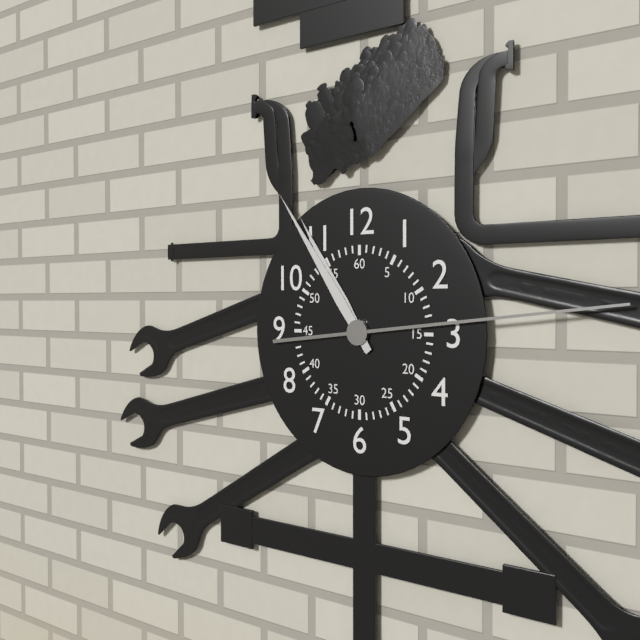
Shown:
**10:54:14**
